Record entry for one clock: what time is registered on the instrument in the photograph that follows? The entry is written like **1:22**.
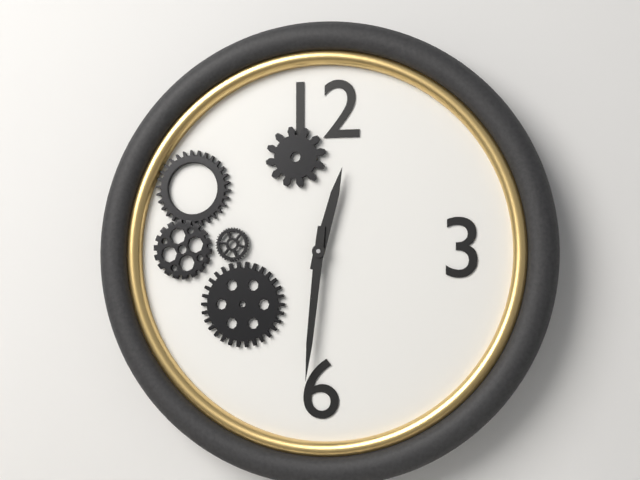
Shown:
**12:31**
